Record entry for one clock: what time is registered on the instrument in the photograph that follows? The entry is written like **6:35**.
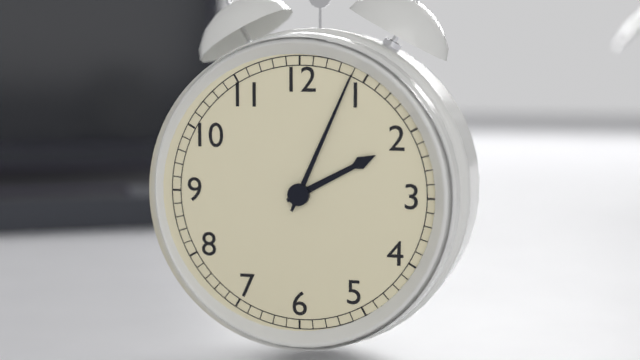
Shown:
**2:04**
